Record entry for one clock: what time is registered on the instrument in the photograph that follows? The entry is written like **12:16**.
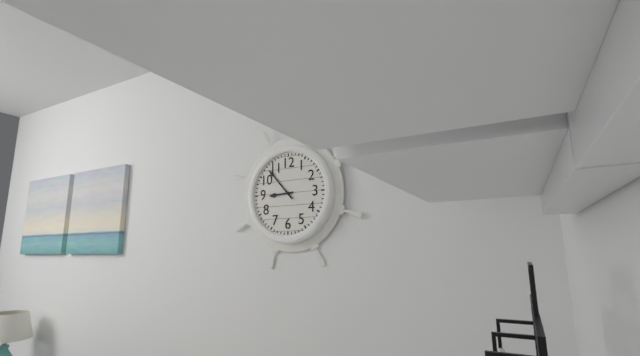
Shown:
**8:53**
